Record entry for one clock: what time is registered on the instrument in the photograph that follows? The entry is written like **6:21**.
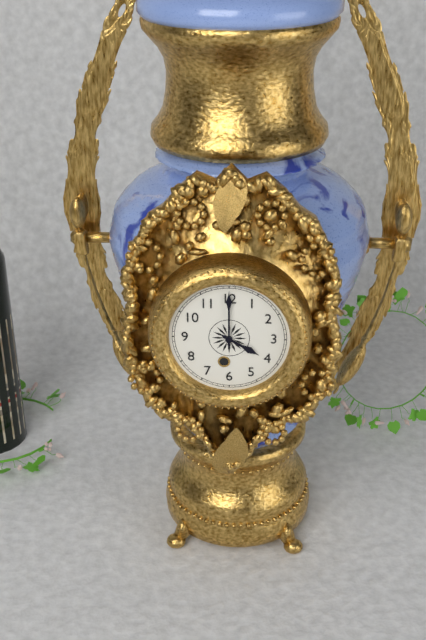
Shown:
**4:00**
